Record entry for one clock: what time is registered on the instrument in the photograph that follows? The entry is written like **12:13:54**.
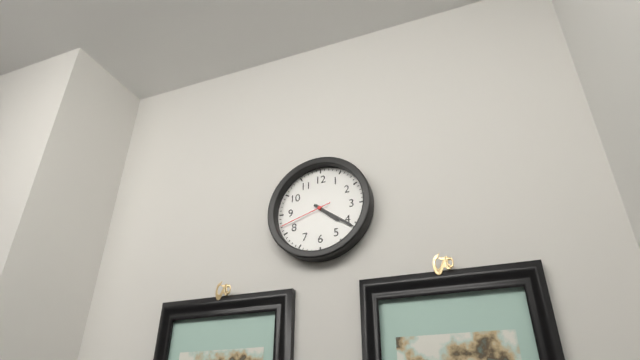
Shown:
**4:21:42**
